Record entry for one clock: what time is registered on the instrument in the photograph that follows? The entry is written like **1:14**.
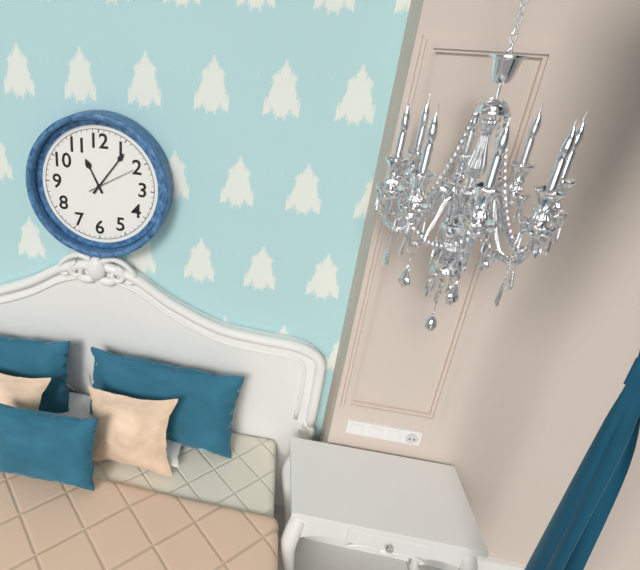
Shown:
**11:06**
